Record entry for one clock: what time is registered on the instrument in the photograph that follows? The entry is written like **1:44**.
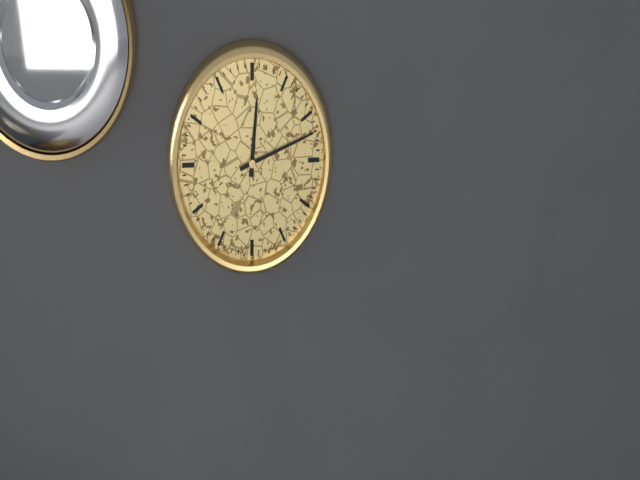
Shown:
**12:12**
